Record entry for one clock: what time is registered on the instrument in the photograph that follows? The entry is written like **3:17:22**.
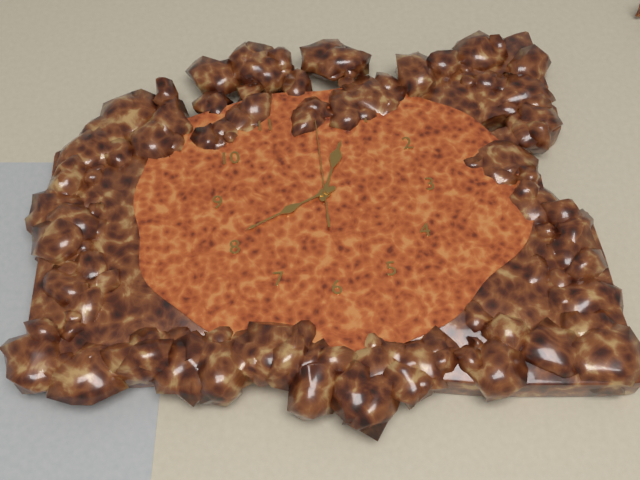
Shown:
**12:41:00**
